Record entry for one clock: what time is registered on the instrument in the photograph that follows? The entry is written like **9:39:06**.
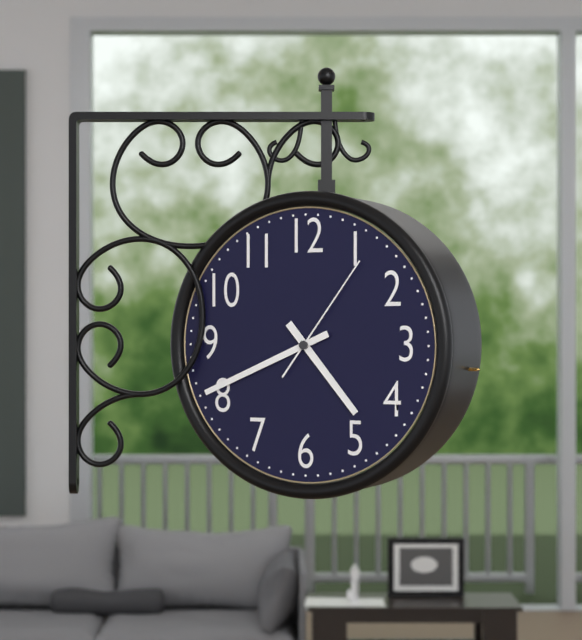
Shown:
**4:41:06**
